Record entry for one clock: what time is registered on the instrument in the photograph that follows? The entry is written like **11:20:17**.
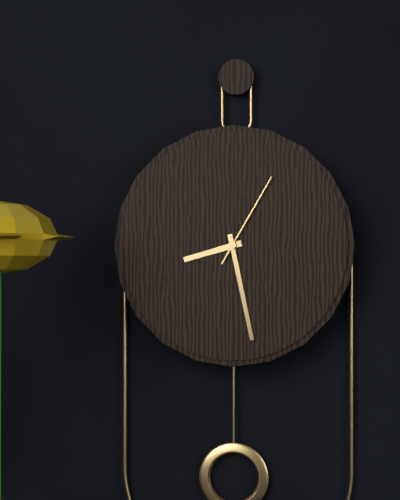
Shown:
**8:28:05**
